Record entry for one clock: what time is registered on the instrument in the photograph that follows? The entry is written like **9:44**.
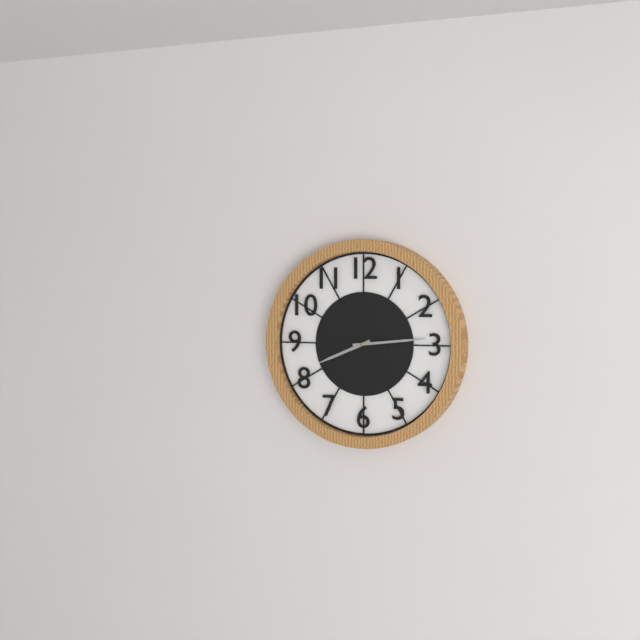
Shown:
**8:14**
